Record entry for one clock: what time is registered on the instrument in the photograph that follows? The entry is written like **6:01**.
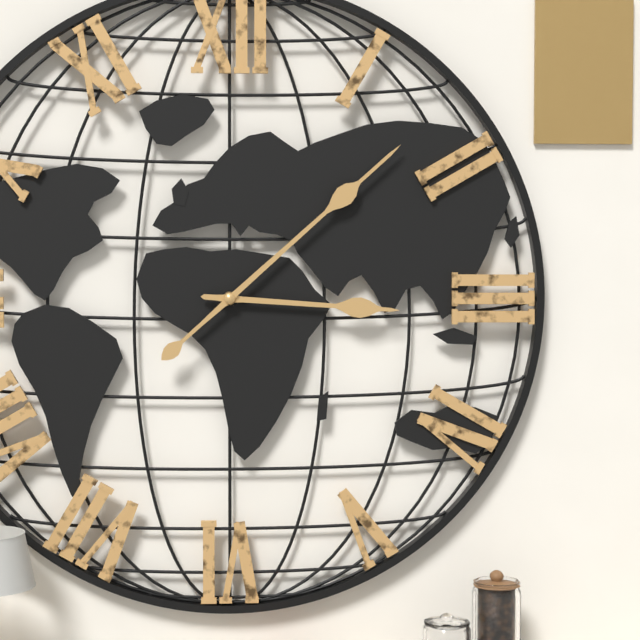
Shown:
**3:08**
